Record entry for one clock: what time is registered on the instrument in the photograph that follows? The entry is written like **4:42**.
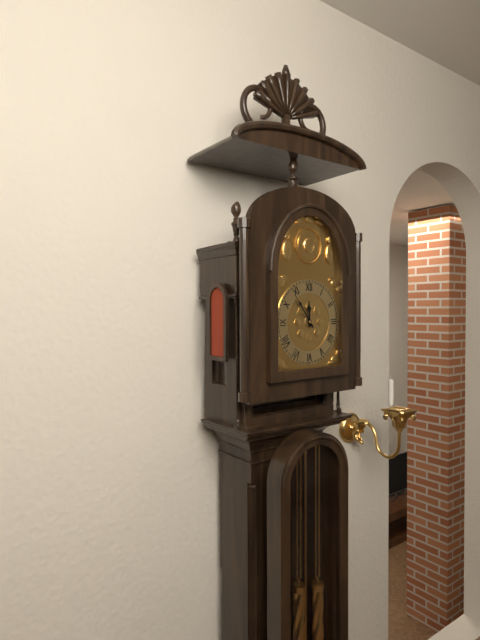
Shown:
**11:54**
